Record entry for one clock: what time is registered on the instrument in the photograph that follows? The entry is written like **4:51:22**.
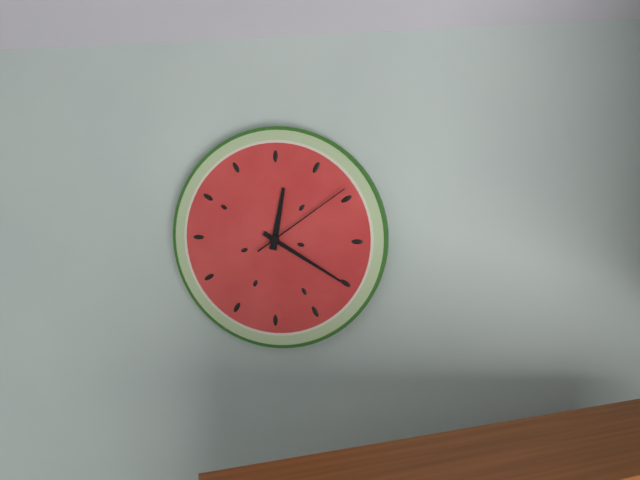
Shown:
**12:20:09**
